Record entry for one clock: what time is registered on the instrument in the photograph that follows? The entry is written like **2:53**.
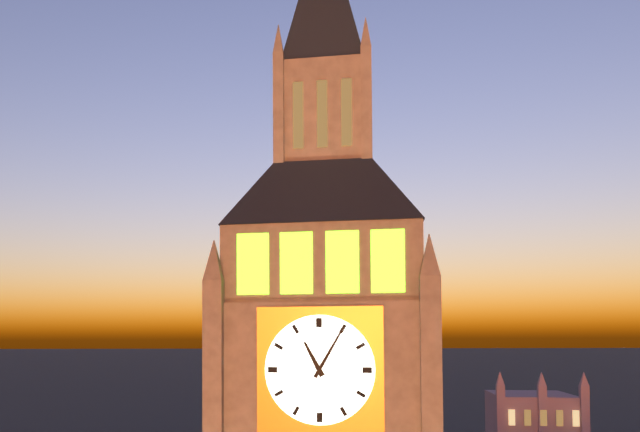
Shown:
**11:05**
